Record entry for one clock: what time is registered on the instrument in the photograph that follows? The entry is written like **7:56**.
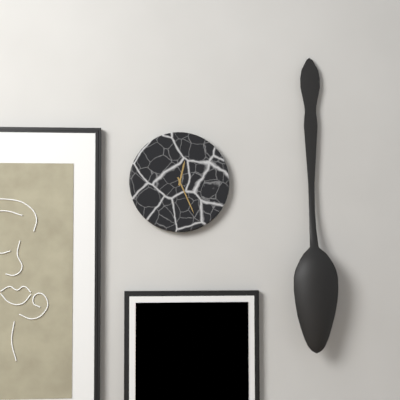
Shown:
**12:26**
